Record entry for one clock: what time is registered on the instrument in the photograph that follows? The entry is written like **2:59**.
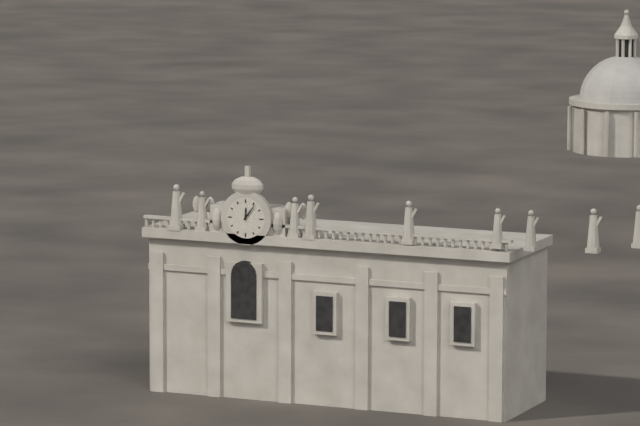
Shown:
**12:06**
